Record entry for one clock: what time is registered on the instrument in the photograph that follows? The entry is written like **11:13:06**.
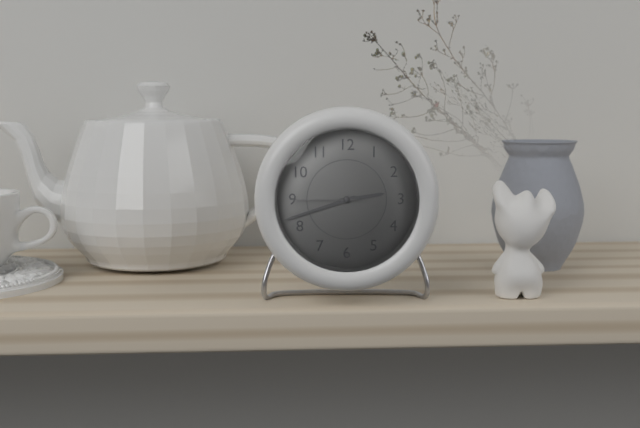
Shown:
**2:42:45**
